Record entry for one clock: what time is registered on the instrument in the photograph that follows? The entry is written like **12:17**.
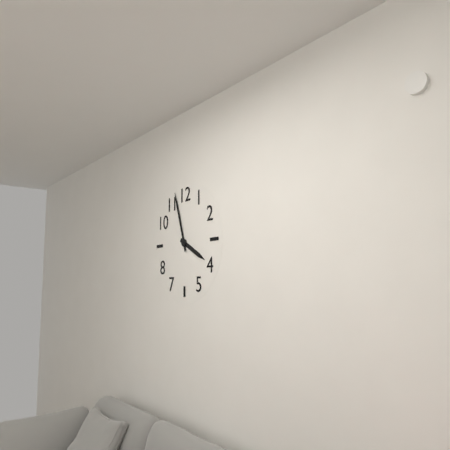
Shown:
**3:57**
